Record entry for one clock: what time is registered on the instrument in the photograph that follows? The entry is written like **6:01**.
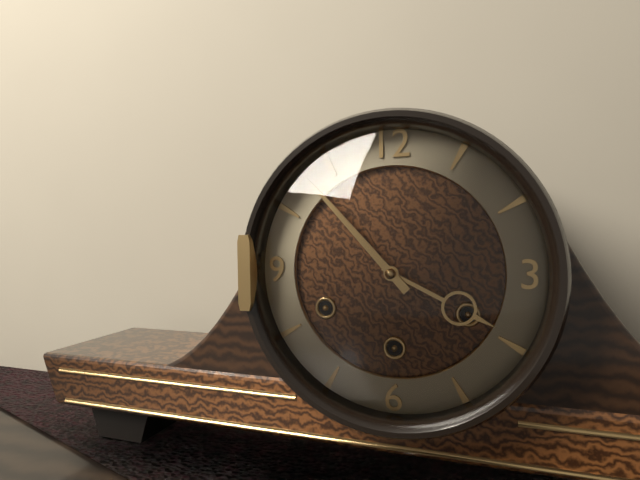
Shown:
**3:53**
